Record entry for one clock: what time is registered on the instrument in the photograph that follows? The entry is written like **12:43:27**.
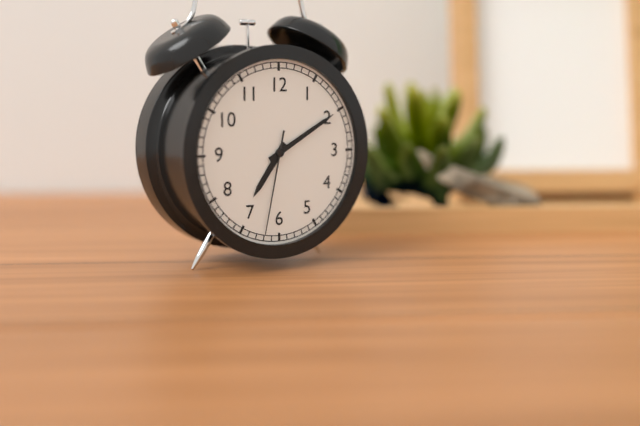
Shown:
**7:10:32**
